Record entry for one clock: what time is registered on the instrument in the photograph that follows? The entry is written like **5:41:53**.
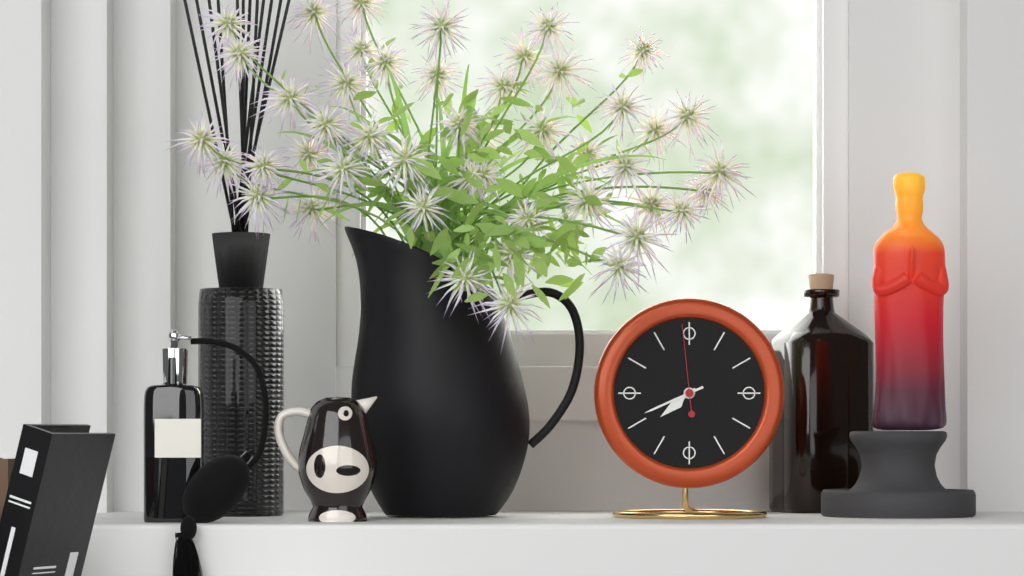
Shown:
**7:41:59**
